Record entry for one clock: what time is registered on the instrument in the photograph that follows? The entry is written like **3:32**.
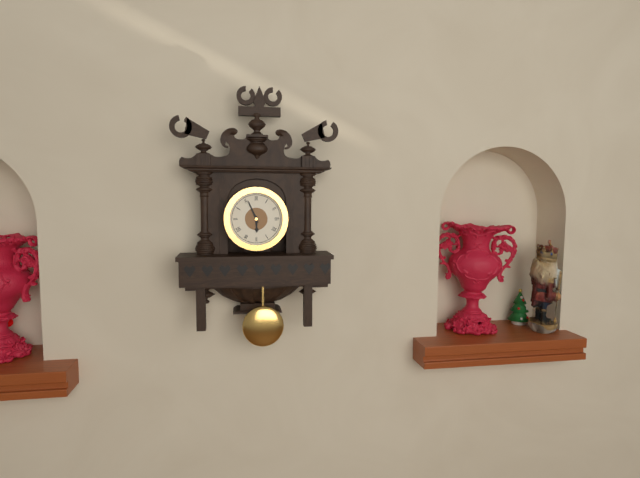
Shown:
**5:56**
